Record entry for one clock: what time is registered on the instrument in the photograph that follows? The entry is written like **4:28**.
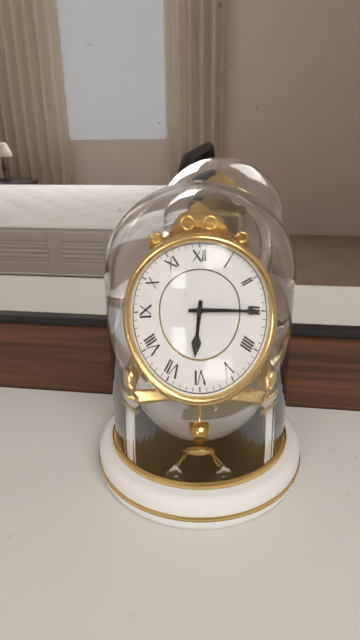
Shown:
**6:15**
